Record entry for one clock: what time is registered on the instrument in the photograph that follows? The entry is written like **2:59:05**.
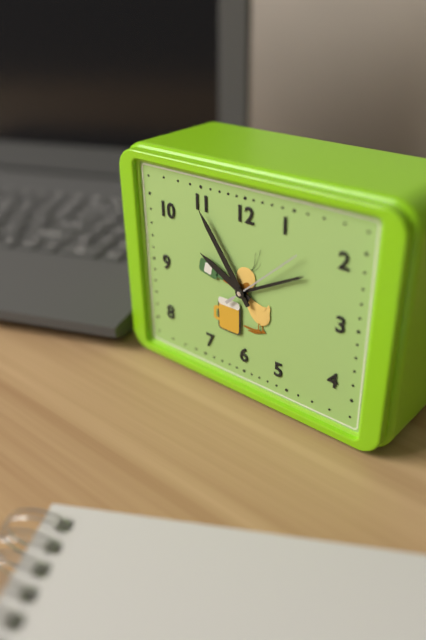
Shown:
**9:54:08**
